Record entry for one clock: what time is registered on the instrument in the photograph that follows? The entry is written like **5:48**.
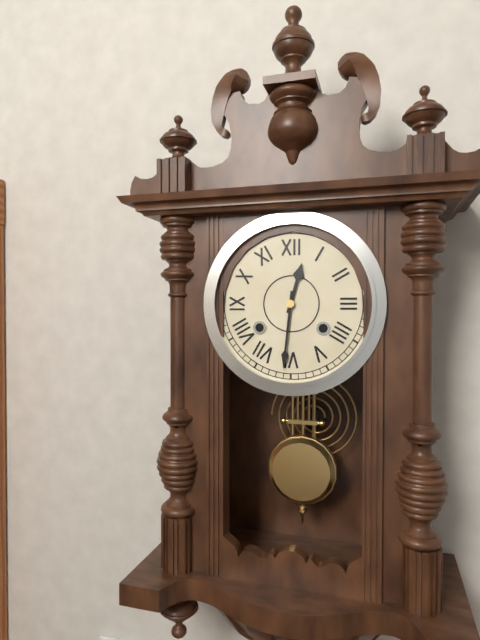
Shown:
**12:31**
